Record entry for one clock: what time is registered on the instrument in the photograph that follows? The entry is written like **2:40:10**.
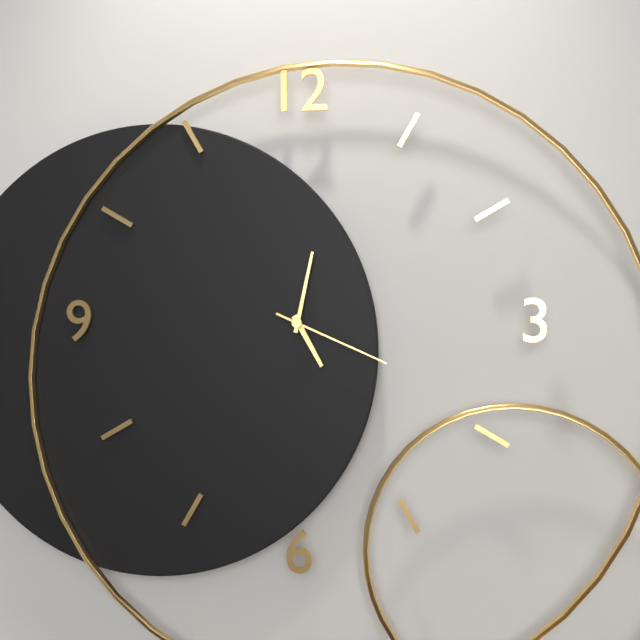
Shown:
**5:02:19**
